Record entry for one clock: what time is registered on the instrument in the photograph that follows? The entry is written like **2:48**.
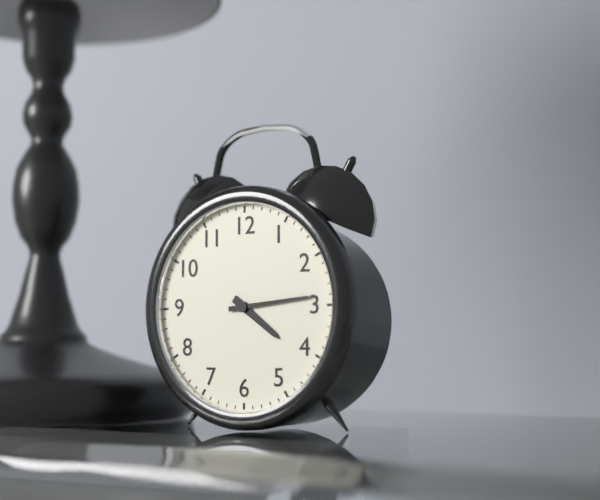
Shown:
**4:14**
